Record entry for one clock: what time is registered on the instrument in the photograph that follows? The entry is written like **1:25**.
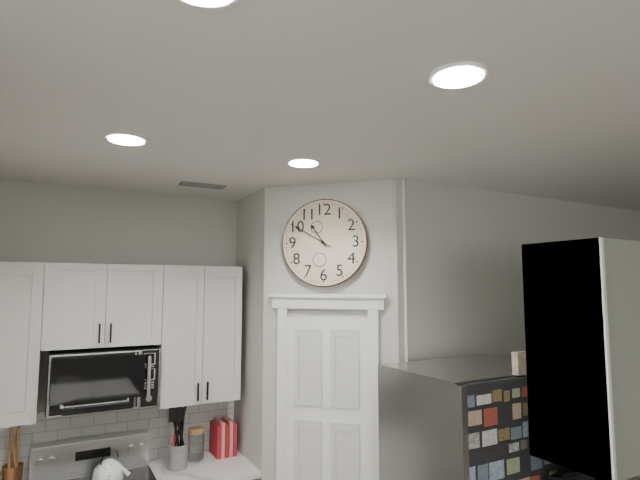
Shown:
**10:50**
